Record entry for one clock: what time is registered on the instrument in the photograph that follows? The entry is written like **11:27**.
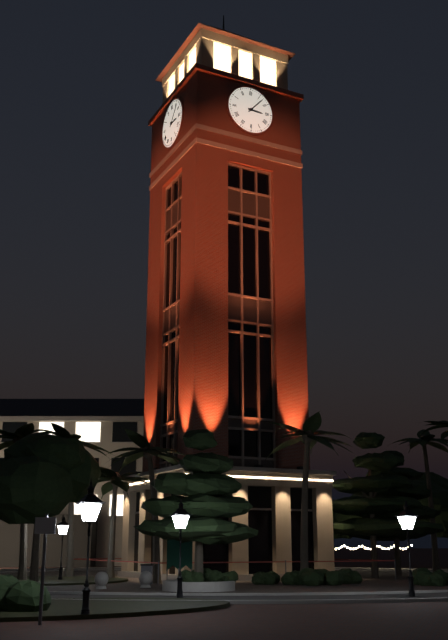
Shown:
**3:07**
